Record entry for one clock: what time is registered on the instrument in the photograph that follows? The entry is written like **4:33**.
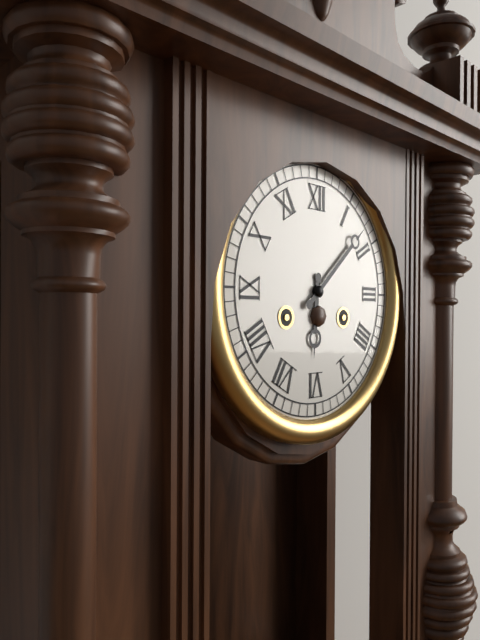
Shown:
**6:08**
